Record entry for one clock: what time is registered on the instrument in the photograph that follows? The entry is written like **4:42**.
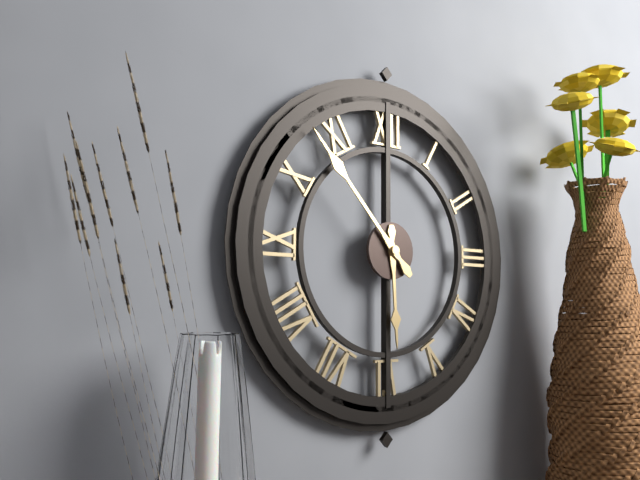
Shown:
**5:53**
